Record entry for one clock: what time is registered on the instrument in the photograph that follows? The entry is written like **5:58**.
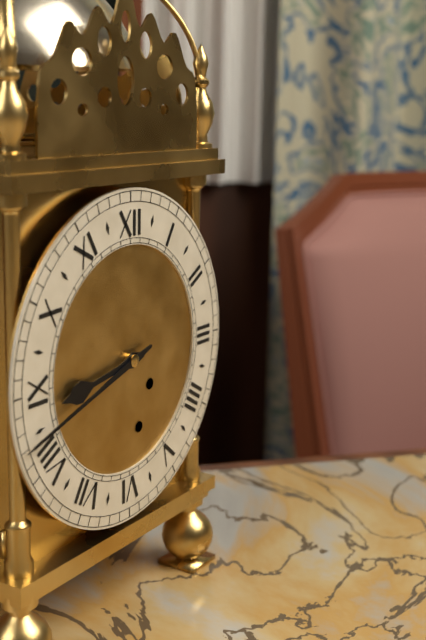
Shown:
**8:42**
